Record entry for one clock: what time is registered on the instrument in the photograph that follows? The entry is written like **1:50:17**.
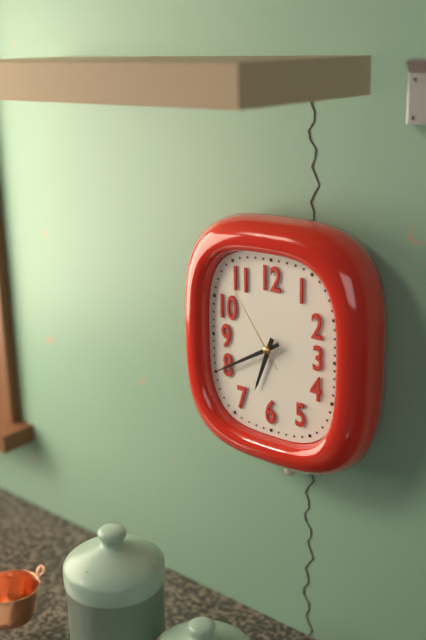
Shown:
**6:40:54**
